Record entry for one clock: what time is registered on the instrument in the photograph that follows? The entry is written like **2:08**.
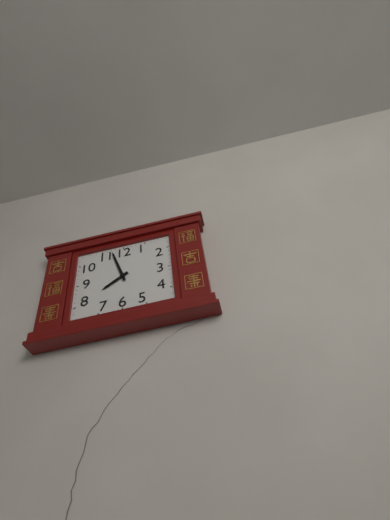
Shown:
**7:57**
